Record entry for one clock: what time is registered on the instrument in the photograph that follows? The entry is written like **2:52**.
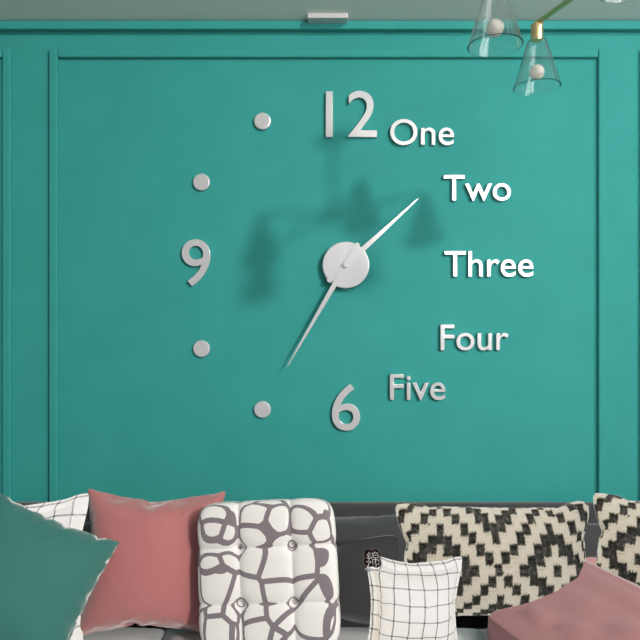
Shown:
**1:35**
